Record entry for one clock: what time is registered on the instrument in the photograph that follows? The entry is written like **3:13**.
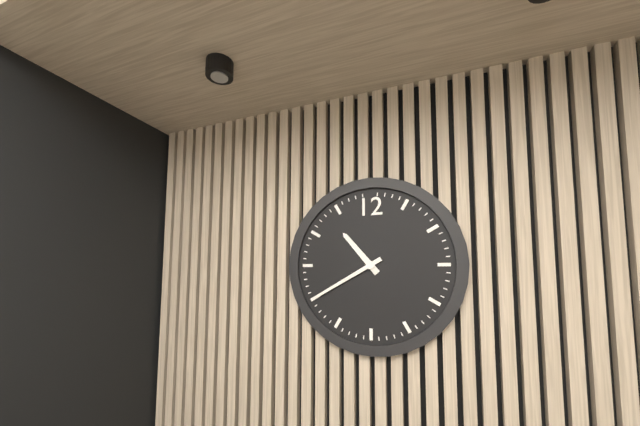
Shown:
**10:40**
